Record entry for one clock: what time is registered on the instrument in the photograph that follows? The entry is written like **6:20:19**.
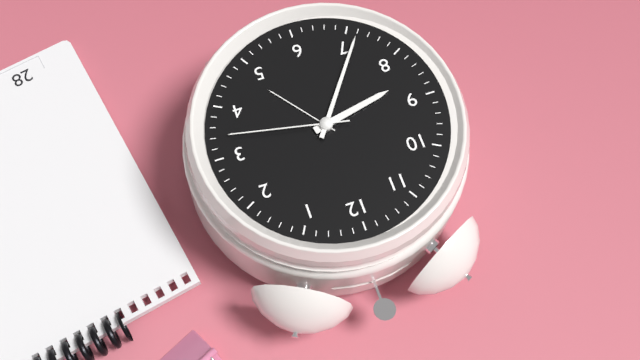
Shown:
**8:36:17**
